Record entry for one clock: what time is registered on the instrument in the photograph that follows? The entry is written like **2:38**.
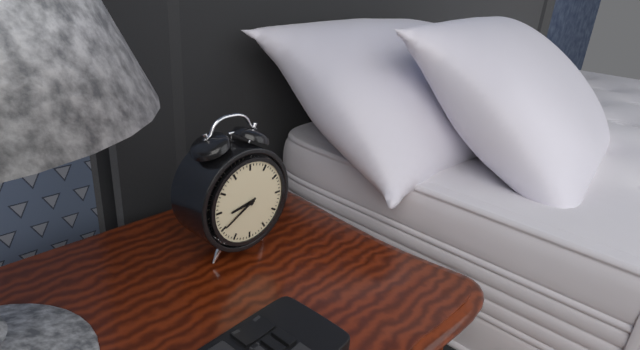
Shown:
**8:40**
